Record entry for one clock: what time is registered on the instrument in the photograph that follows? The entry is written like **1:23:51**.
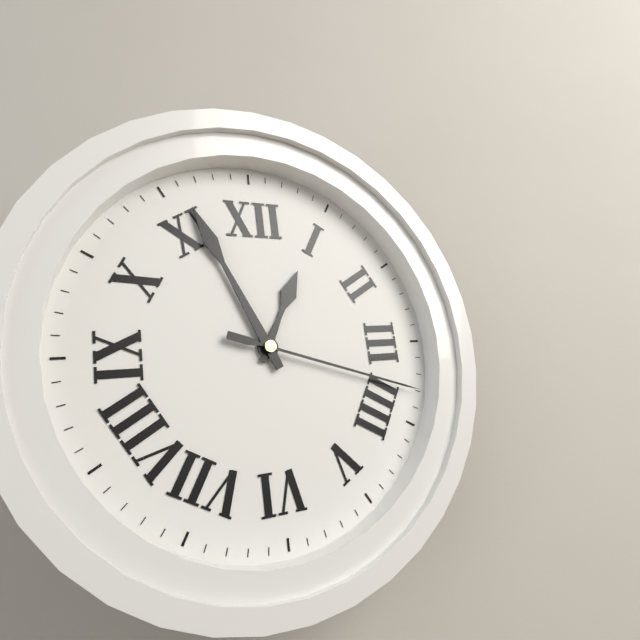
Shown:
**12:56:18**
